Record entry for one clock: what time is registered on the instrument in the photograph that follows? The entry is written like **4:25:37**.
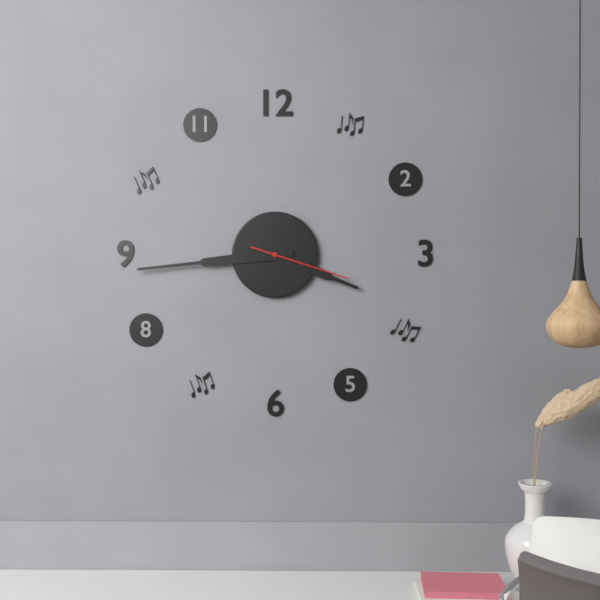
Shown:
**3:44:18**
